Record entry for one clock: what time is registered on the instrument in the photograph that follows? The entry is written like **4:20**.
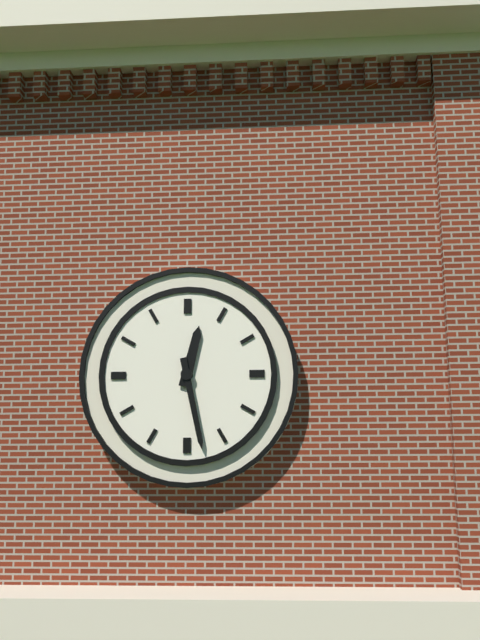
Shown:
**12:28**
